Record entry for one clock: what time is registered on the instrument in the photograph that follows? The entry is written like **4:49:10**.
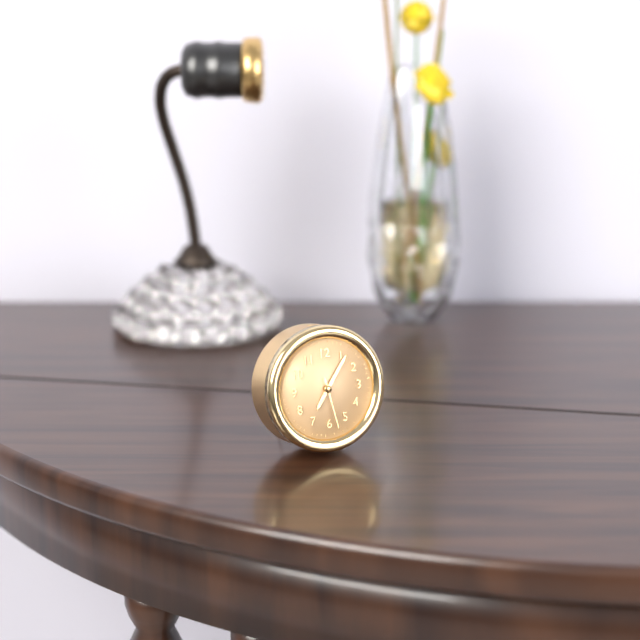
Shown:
**7:06:28**
